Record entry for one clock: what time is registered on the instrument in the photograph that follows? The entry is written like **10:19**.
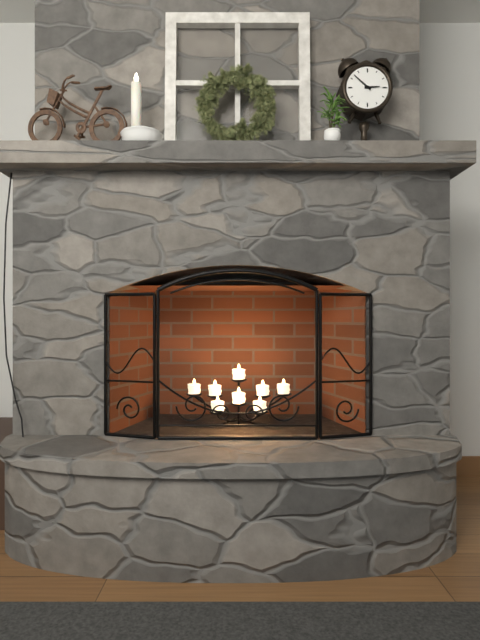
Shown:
**2:52**
